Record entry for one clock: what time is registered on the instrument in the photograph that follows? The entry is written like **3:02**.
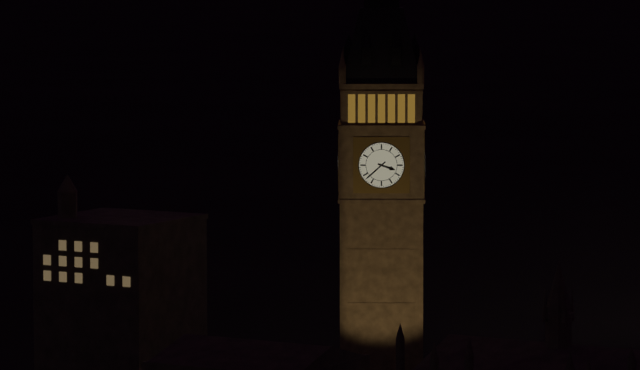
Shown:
**3:38**
